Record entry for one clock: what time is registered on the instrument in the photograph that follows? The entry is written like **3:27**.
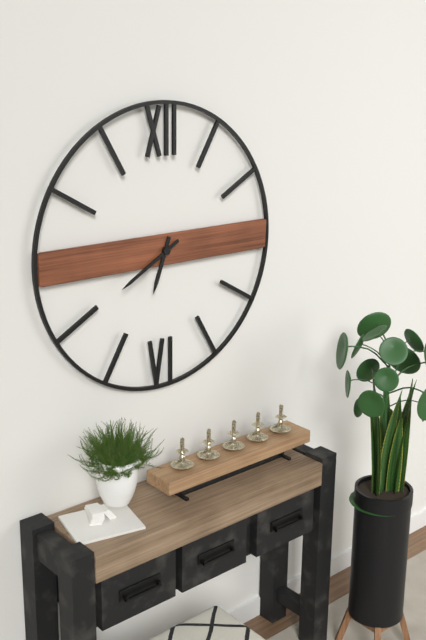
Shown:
**6:40**
